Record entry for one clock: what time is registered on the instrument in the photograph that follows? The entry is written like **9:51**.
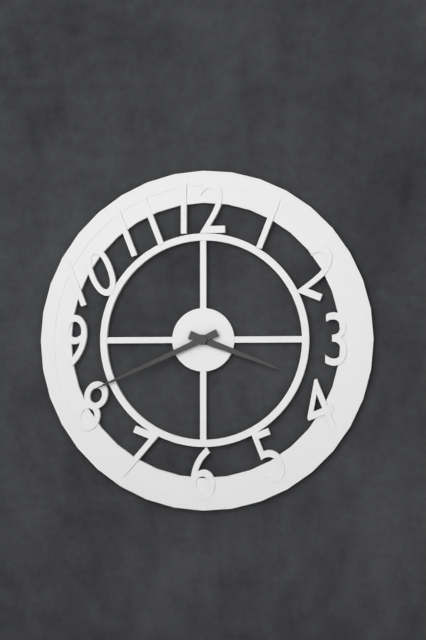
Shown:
**3:41**
